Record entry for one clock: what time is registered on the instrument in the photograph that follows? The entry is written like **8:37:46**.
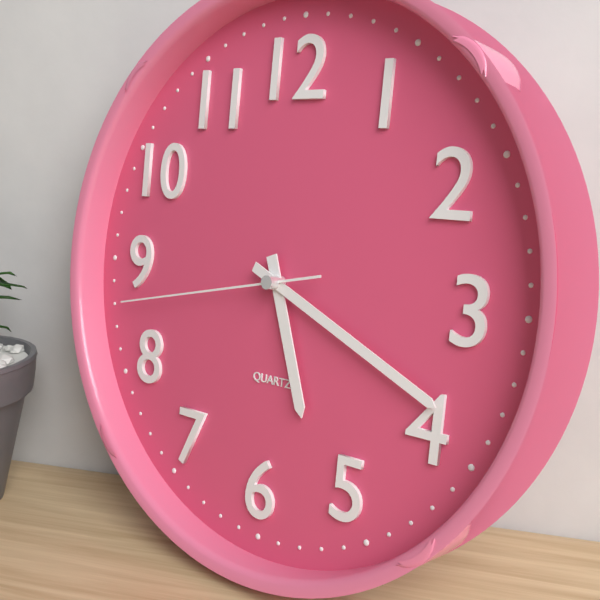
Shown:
**5:19:43**
